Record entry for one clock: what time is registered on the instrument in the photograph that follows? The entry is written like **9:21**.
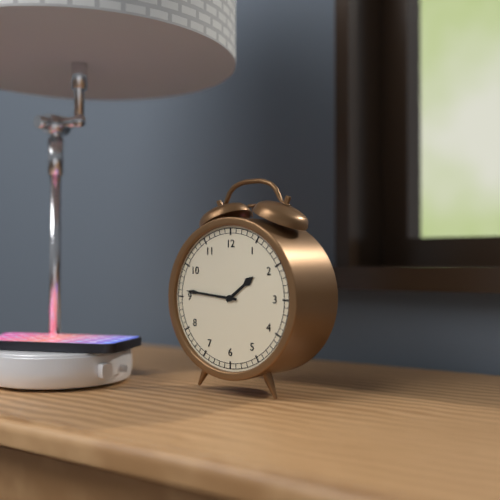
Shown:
**1:46**
